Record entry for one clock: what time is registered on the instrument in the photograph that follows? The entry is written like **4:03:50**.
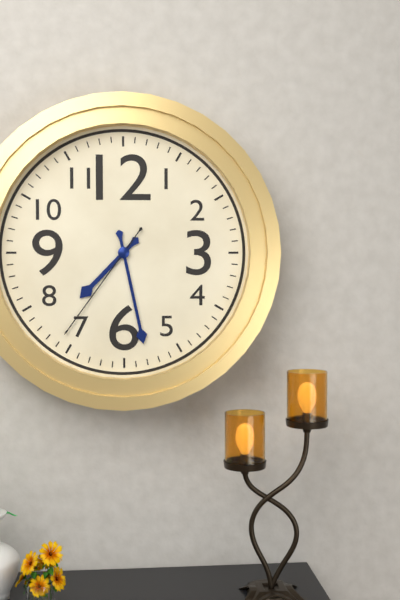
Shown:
**7:28:36**
